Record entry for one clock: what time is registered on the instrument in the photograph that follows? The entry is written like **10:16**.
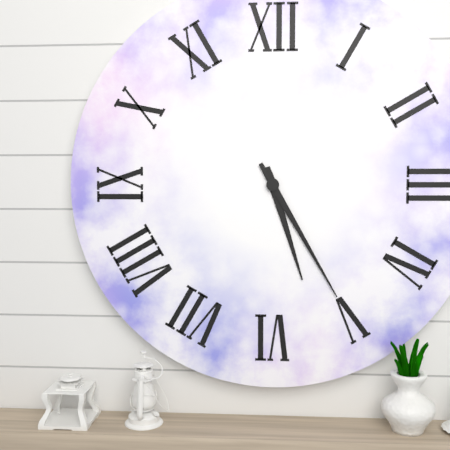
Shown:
**5:25**
